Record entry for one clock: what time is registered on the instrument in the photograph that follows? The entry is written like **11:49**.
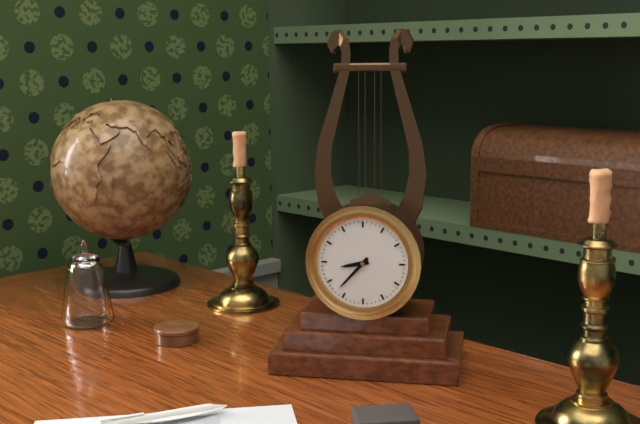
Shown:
**8:37**
